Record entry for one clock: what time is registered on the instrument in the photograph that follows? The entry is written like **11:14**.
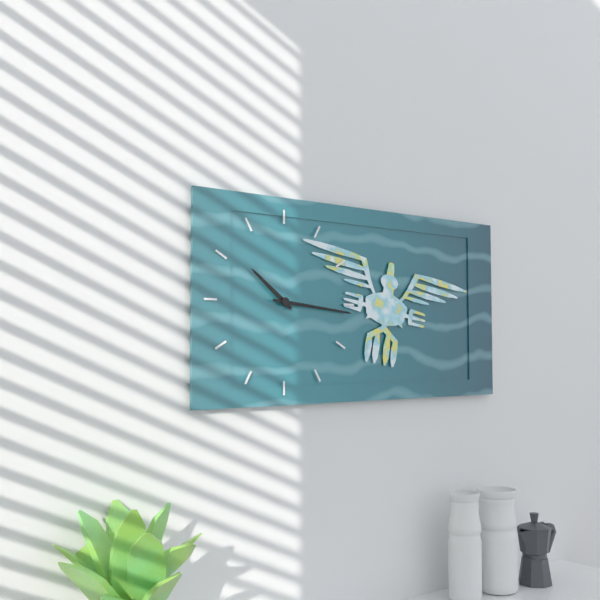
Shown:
**10:16**
